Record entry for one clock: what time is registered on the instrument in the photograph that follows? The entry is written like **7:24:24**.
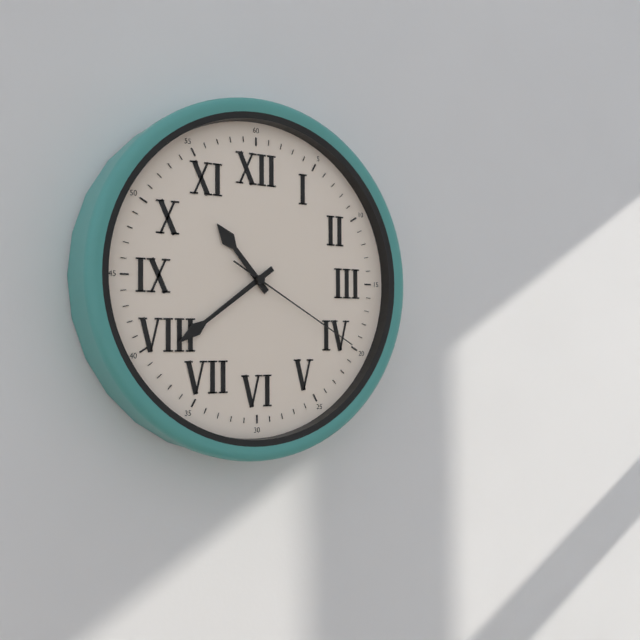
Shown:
**10:39:20**
